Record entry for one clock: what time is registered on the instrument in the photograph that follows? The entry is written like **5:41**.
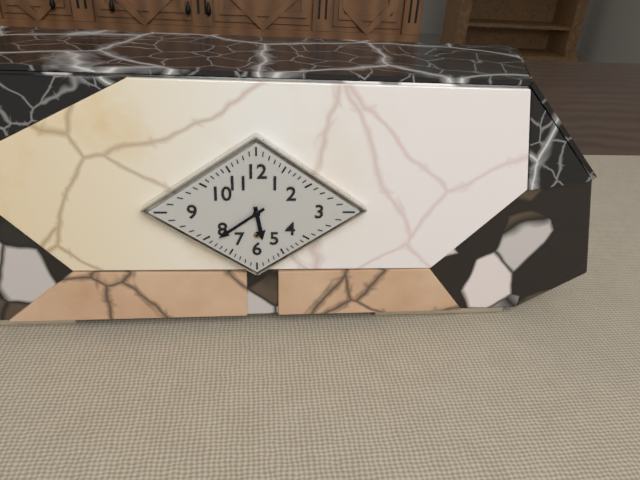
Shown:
**5:39**
